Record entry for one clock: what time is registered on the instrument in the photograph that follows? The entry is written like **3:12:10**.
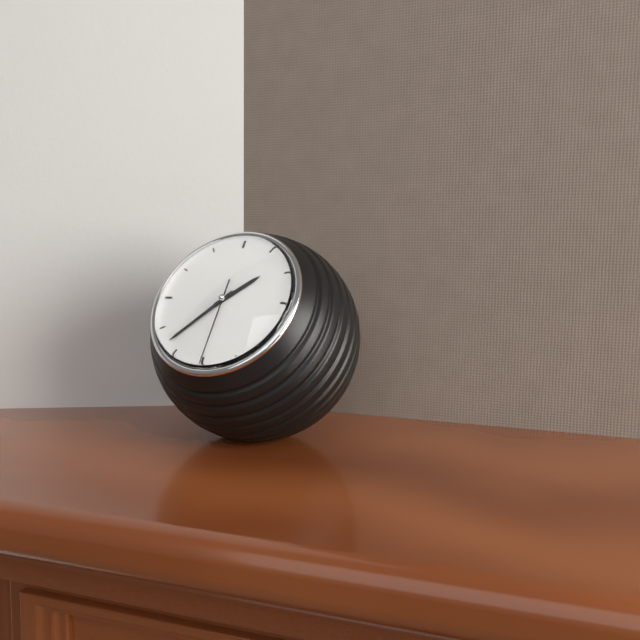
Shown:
**1:37:30**
